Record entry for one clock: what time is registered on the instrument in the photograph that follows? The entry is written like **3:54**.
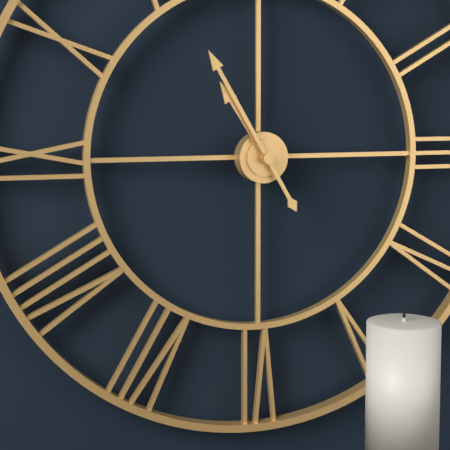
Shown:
**10:55**
